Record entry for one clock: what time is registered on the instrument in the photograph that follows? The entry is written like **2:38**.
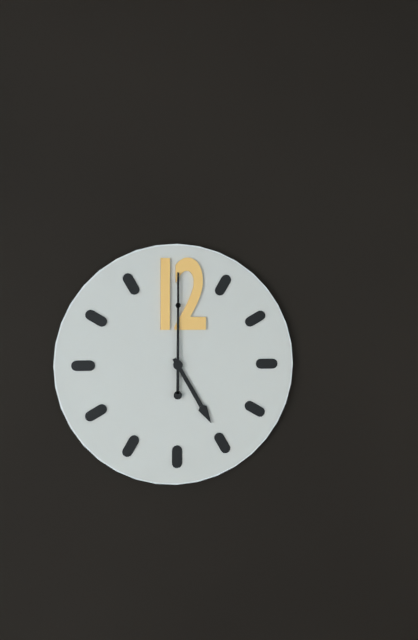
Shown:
**5:00**
